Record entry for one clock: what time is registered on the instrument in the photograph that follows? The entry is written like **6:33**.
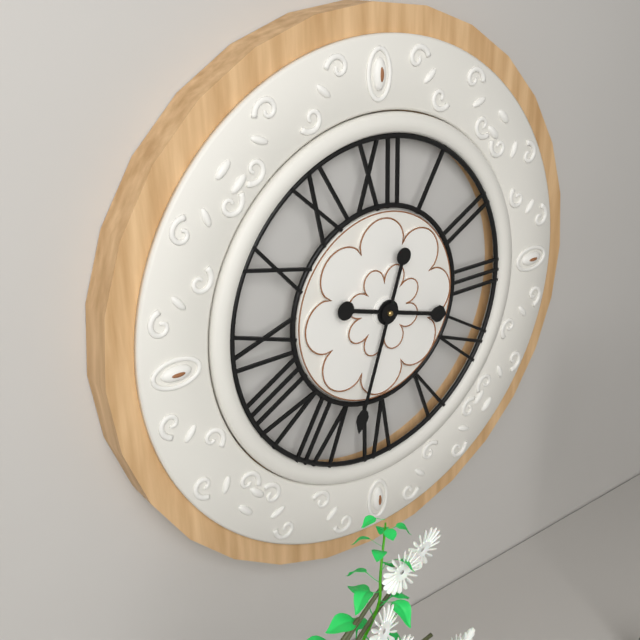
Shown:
**3:33**
